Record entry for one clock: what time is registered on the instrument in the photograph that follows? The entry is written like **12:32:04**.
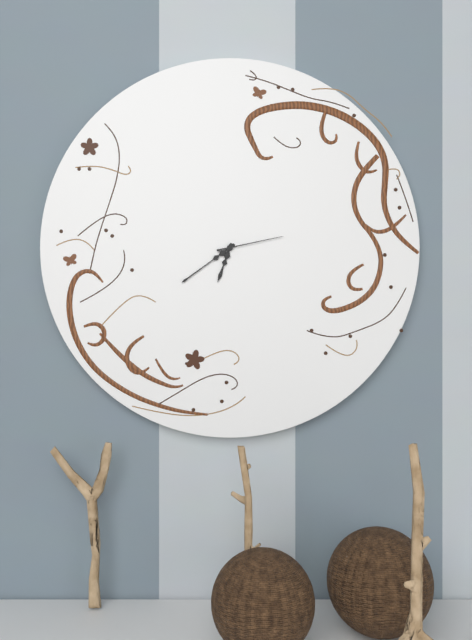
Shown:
**6:39:13**
